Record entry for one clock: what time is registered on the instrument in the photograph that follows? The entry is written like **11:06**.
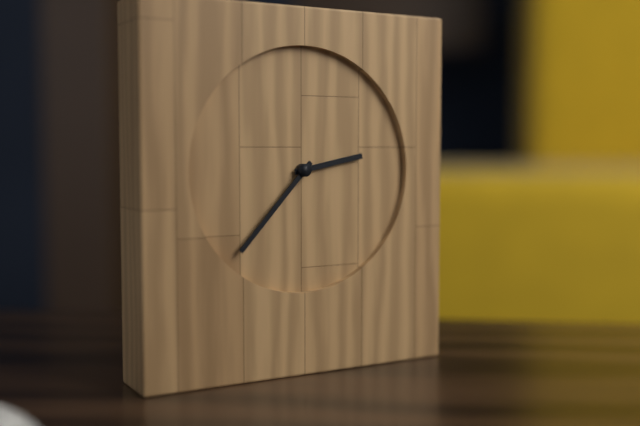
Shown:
**2:37**
